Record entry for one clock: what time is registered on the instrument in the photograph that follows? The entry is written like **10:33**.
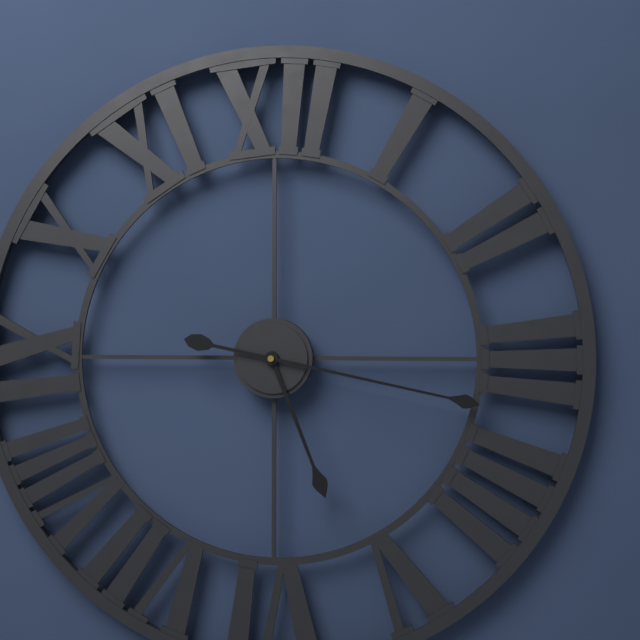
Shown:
**5:17**
